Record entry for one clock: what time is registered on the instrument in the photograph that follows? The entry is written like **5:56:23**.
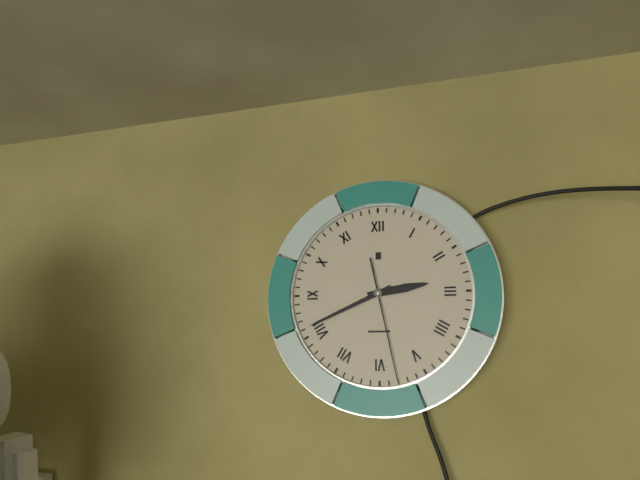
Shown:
**2:41:28**
